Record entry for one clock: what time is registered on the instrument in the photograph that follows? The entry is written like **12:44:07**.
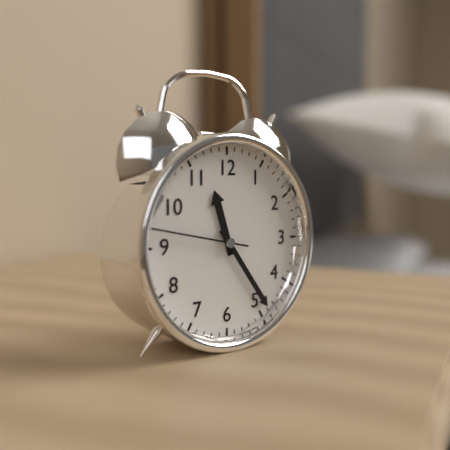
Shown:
**11:24:47**
